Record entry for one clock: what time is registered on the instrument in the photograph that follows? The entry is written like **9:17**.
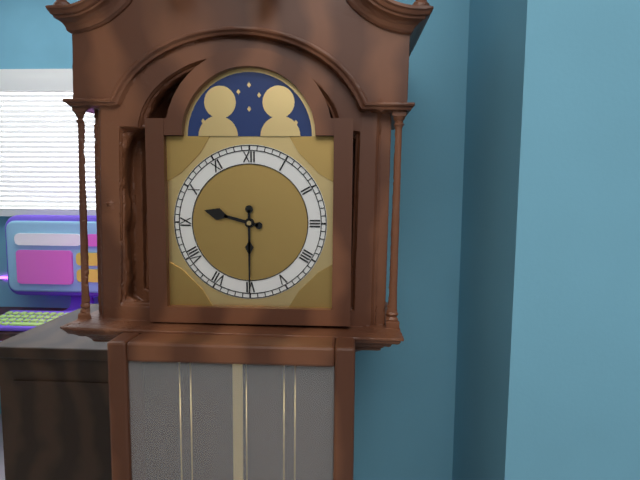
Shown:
**9:30**
